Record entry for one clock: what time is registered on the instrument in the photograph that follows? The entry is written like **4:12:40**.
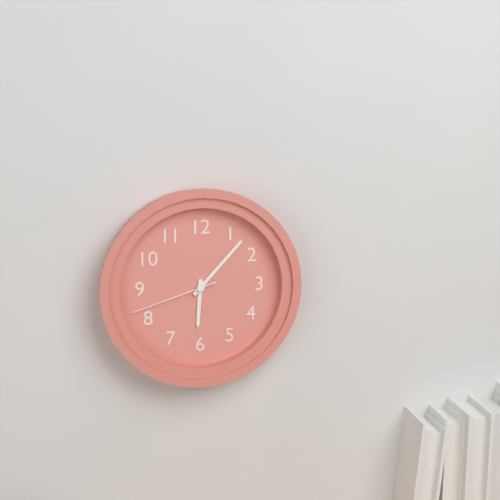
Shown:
**6:07:42**
